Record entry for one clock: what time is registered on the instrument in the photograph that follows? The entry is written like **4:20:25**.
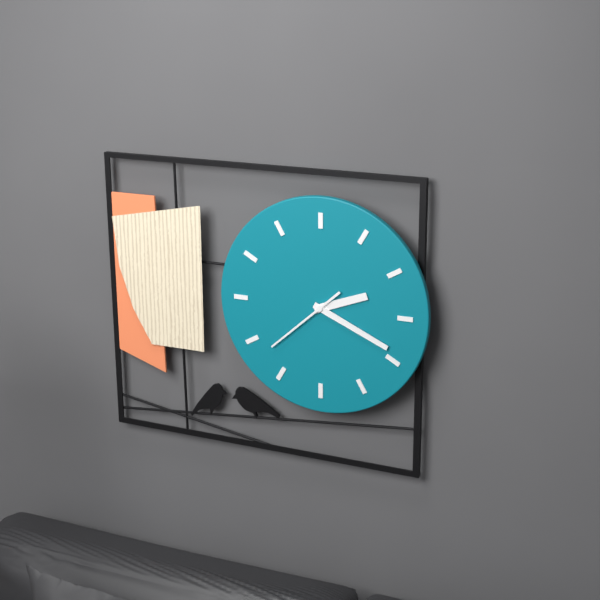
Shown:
**2:19:38**
